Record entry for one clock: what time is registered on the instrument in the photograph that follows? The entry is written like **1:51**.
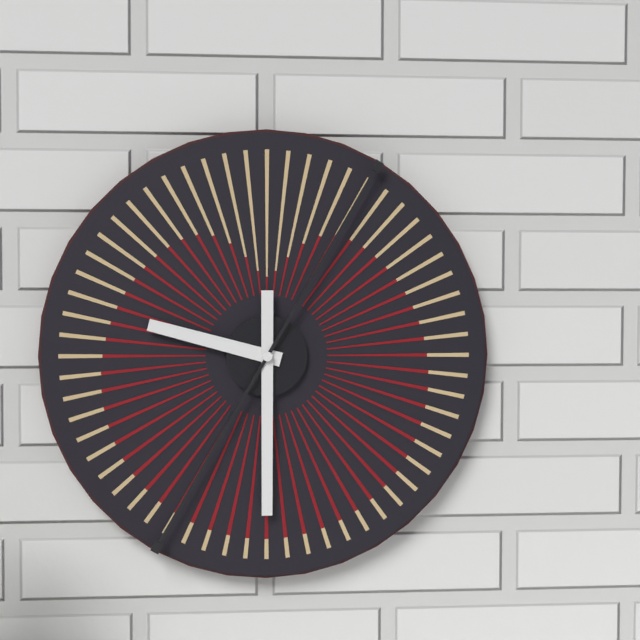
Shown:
**9:30**
